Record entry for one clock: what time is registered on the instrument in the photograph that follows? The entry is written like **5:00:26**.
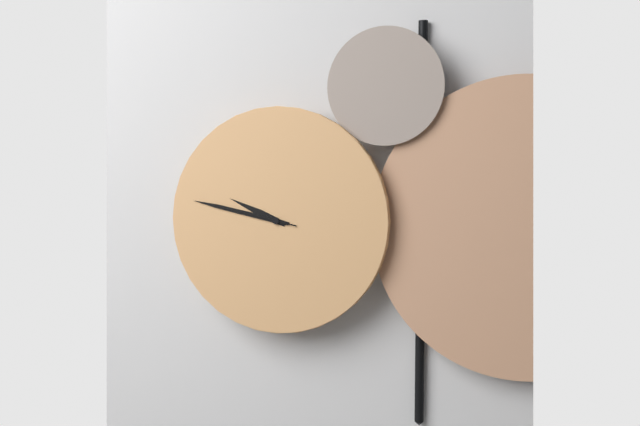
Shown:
**9:47:47**
